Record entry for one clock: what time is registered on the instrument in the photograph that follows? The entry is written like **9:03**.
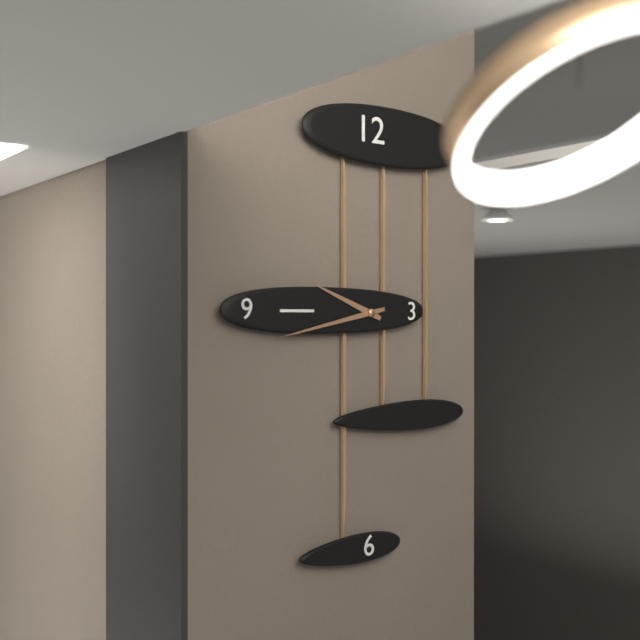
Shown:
**9:43**
